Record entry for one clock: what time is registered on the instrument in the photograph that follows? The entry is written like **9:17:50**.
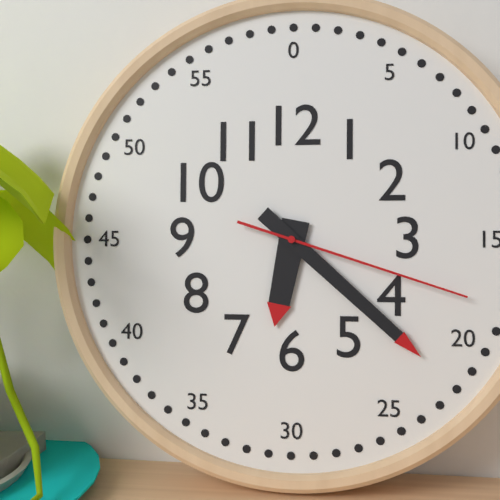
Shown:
**6:22:18**
